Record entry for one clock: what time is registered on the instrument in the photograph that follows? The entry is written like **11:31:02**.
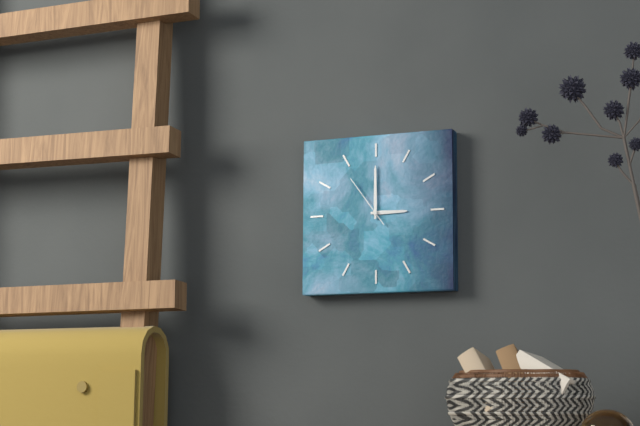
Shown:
**3:00:54**
